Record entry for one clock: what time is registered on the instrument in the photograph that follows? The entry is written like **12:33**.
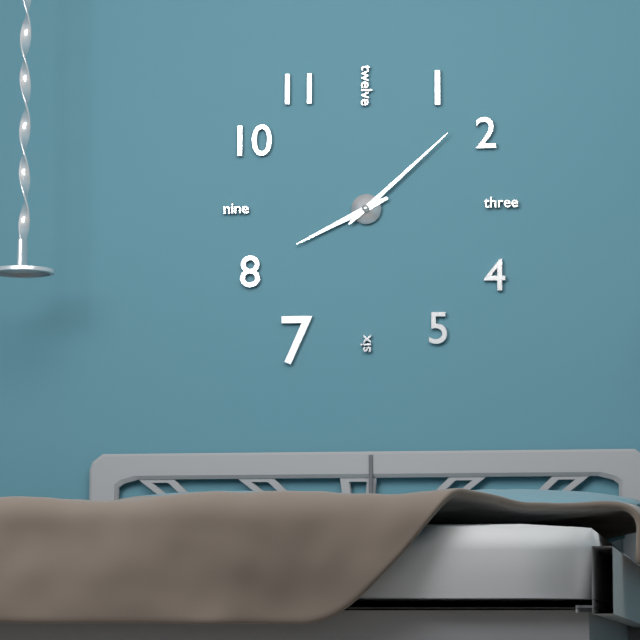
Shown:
**8:08**
